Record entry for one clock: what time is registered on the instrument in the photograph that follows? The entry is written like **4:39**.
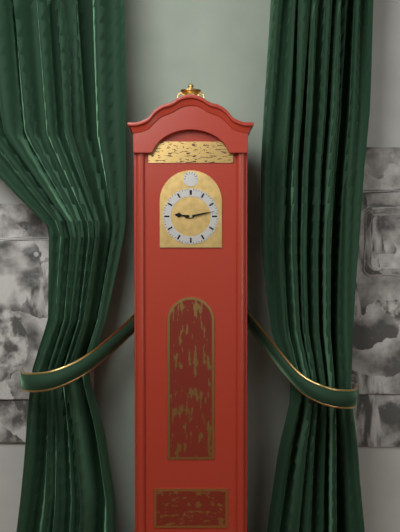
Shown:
**9:13**
